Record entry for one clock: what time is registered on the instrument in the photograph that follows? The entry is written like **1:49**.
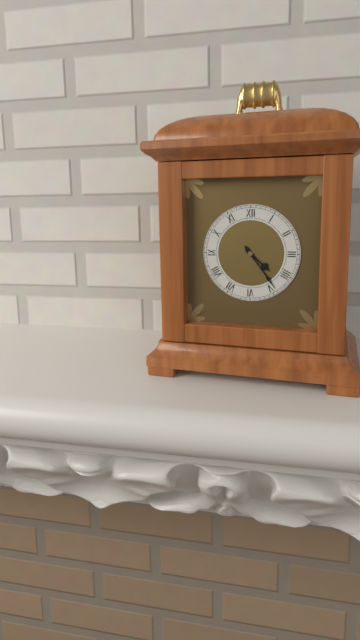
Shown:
**4:24**
